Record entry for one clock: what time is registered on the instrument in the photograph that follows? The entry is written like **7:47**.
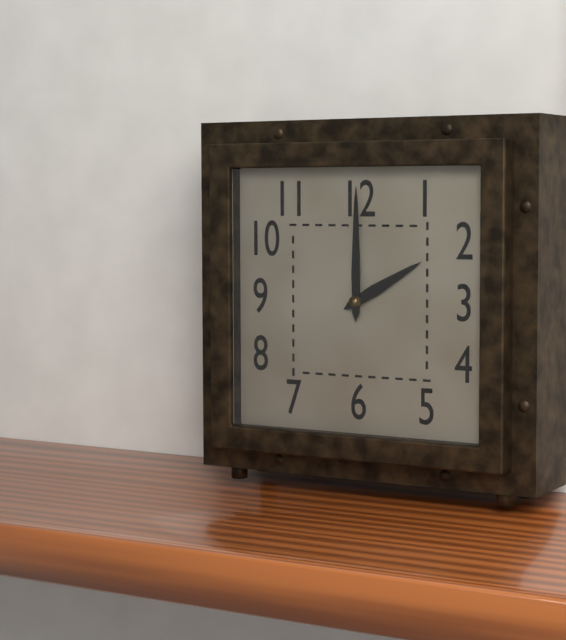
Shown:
**2:00**
